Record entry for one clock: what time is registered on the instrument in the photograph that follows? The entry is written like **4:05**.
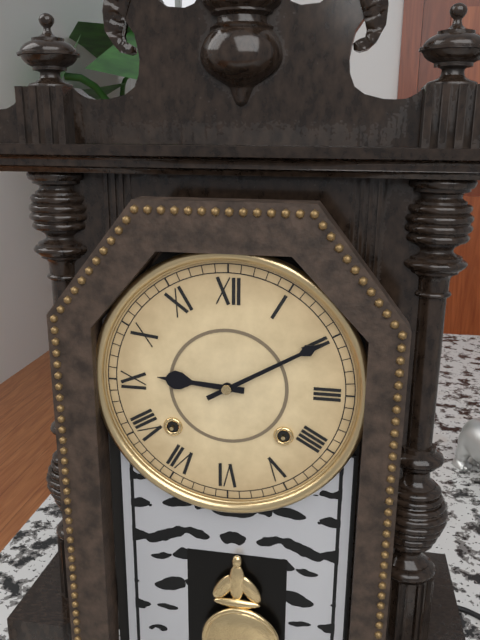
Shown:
**9:10**
